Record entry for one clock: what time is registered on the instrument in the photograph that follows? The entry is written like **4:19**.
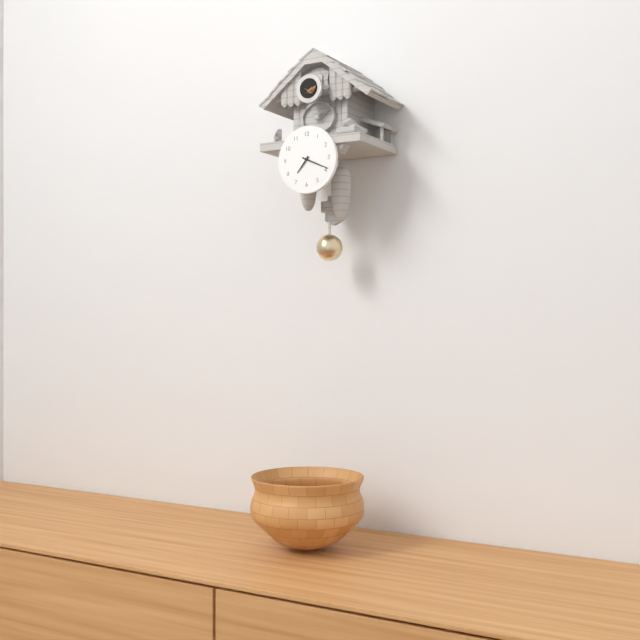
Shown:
**7:19**
